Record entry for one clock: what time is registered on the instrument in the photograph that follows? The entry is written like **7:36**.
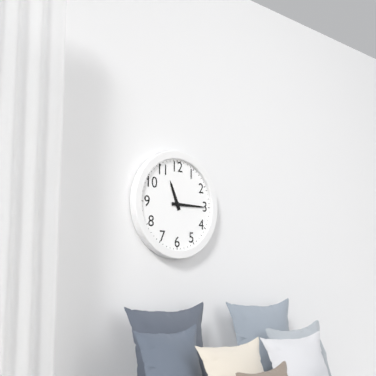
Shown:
**11:15**
